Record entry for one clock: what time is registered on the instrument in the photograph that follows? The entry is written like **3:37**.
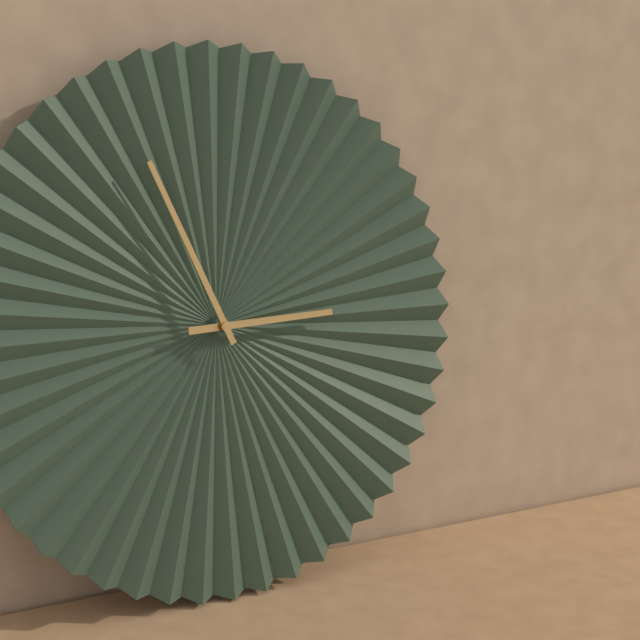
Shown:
**2:56**
